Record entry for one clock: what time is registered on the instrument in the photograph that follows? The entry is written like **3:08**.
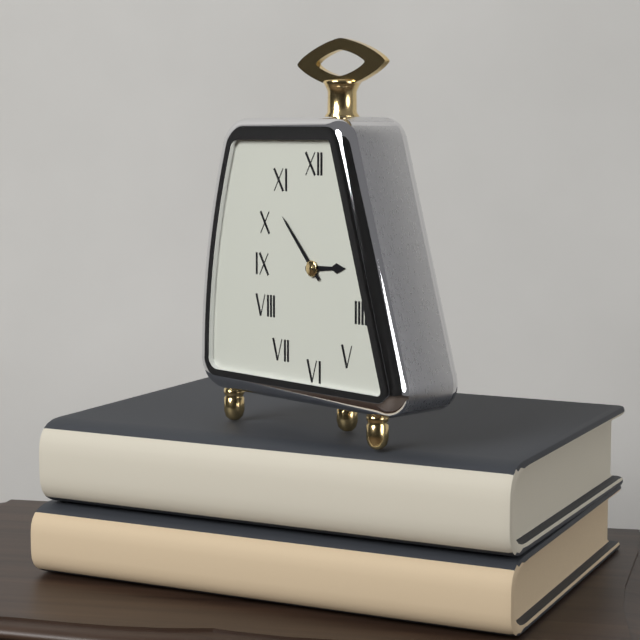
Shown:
**2:53**
